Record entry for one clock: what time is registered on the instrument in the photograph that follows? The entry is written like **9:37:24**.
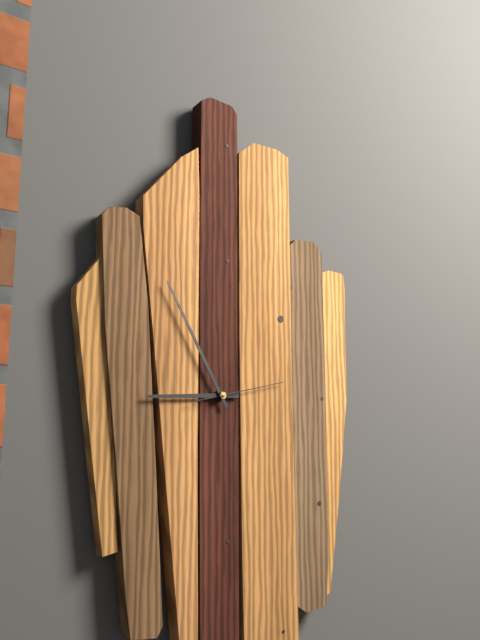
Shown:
**8:55:13**
